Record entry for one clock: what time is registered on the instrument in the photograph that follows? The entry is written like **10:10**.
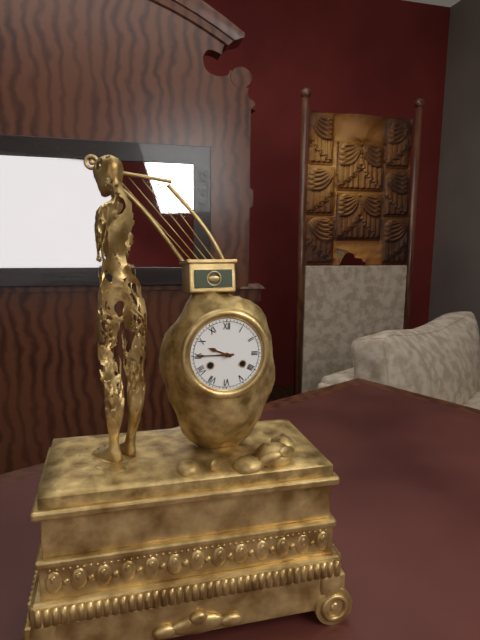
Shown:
**9:45**
